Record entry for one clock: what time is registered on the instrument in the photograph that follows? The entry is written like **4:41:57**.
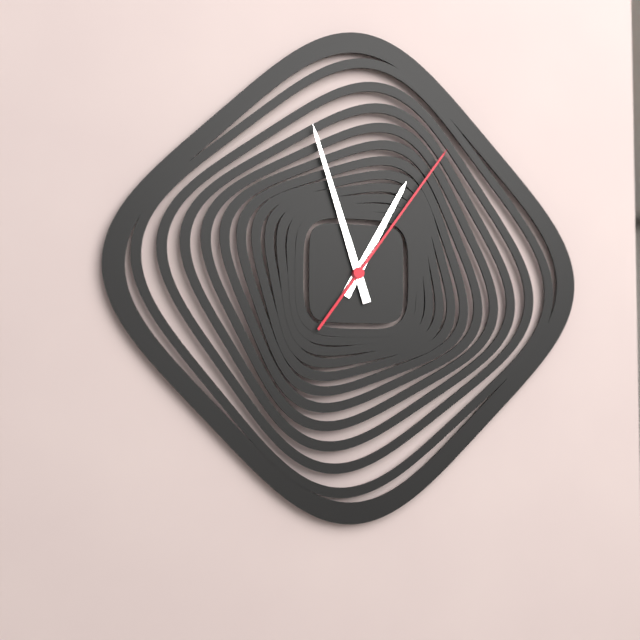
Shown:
**12:57:06**
